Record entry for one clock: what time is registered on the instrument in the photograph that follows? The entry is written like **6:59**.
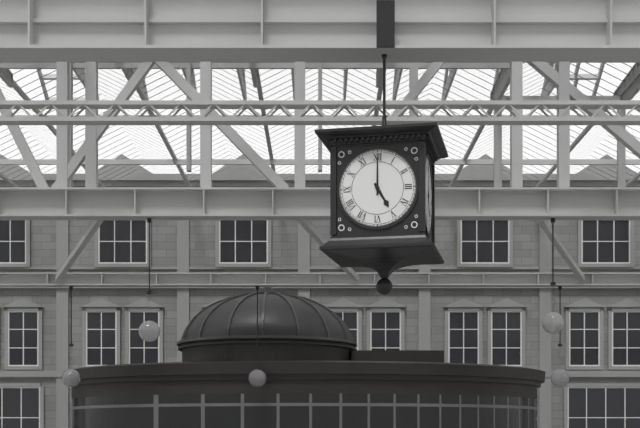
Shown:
**5:00**
